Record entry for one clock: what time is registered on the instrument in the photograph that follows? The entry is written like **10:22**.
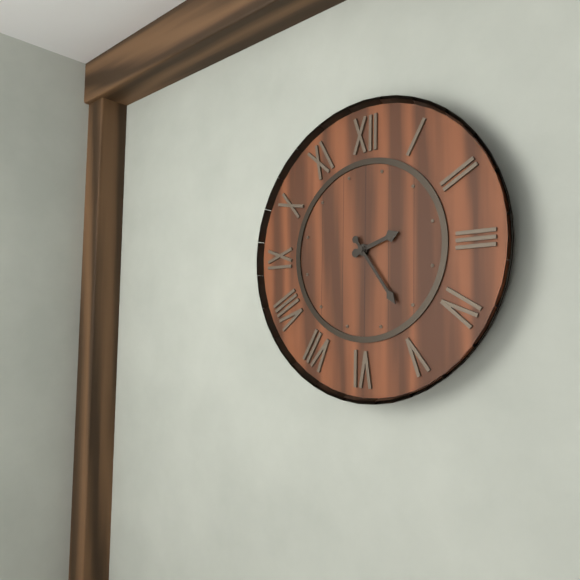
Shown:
**2:24**
